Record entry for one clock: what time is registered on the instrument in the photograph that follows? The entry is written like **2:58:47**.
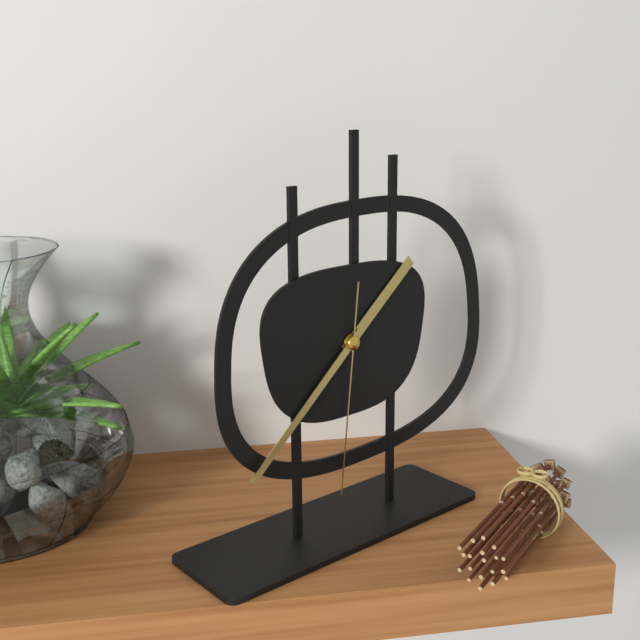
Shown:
**1:38:31**
